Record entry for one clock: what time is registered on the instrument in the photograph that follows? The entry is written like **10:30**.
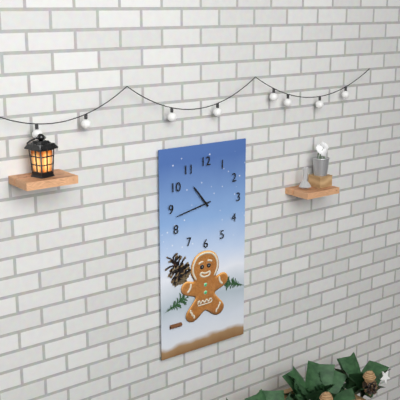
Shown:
**10:43**
